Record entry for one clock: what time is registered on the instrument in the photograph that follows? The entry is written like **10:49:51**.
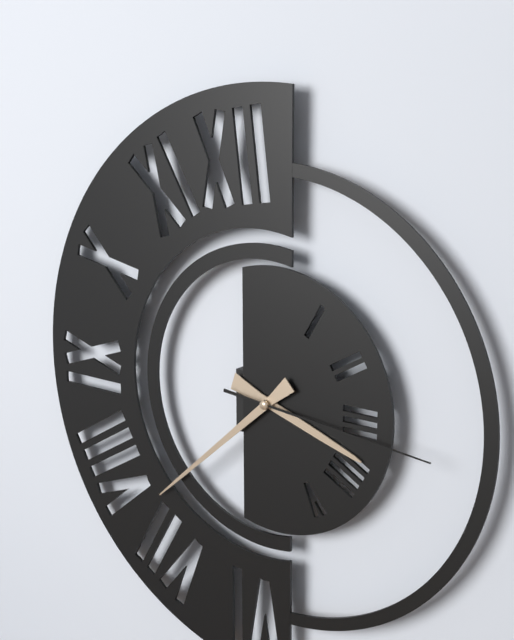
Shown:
**3:38:16**
